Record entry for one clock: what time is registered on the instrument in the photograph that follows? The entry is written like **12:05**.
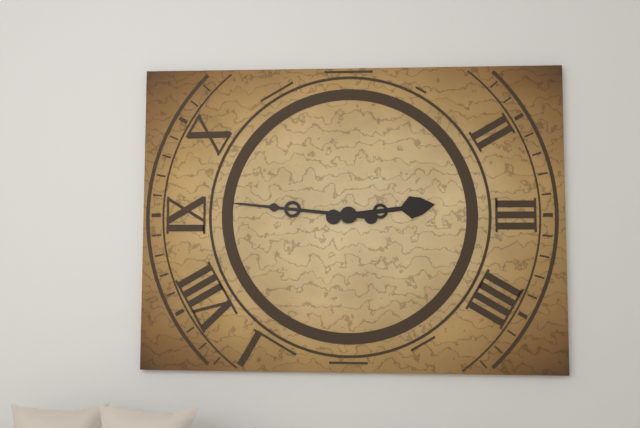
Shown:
**2:46**
